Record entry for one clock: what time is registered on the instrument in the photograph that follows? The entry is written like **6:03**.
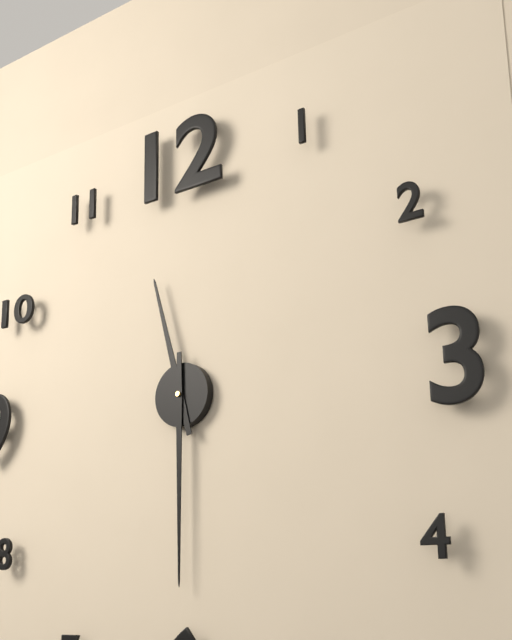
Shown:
**11:30**
